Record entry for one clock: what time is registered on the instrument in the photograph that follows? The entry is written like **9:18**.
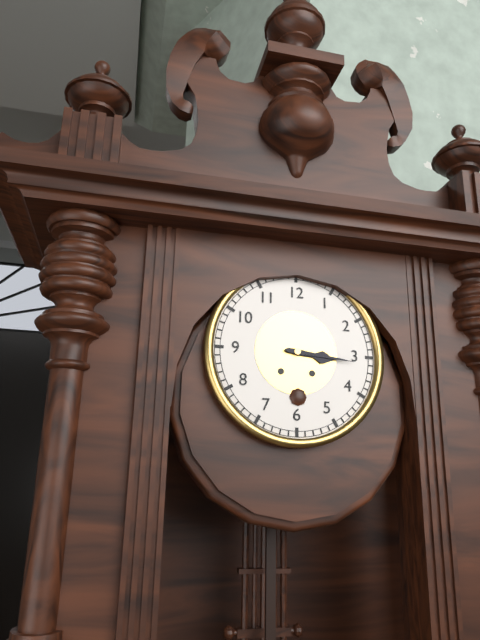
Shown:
**3:16**
